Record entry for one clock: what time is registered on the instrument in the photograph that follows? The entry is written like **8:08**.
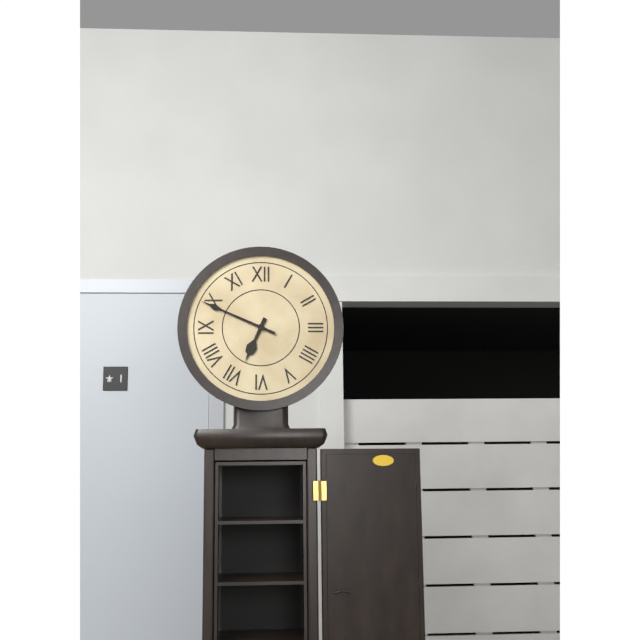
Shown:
**6:49**
